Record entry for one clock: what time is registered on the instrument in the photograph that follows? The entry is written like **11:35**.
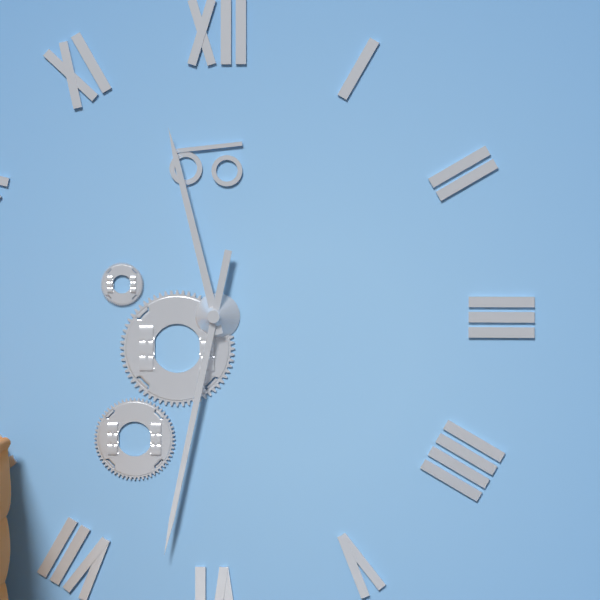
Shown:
**11:32**
